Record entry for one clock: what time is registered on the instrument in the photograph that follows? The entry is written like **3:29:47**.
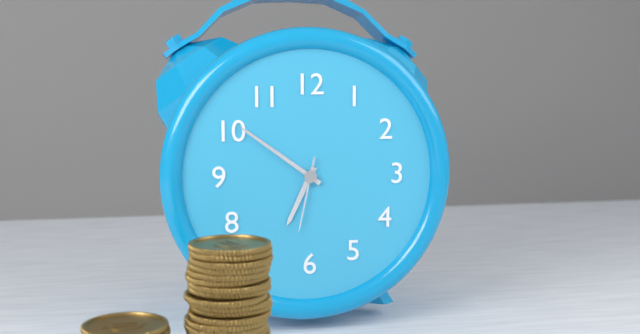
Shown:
**6:51:32**
